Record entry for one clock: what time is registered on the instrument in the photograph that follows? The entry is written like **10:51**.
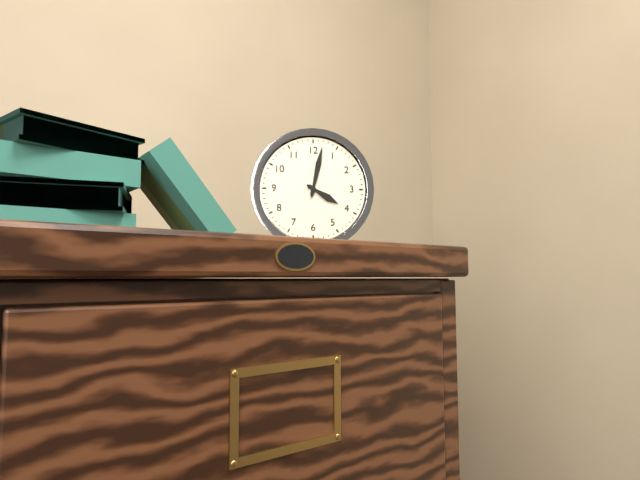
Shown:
**4:02**
